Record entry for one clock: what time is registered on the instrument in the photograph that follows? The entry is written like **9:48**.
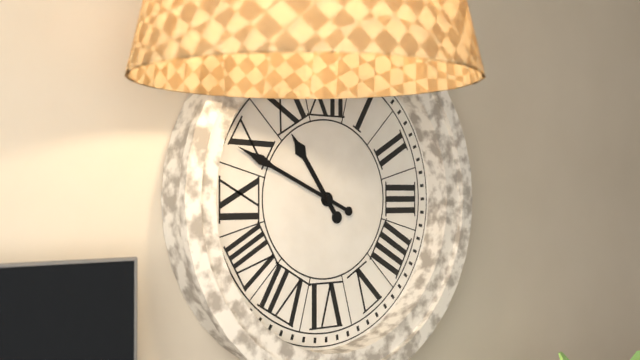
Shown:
**10:49**
